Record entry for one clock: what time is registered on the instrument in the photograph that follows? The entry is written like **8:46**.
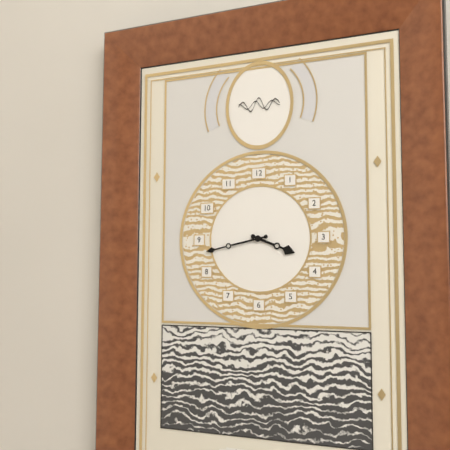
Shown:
**3:43**
